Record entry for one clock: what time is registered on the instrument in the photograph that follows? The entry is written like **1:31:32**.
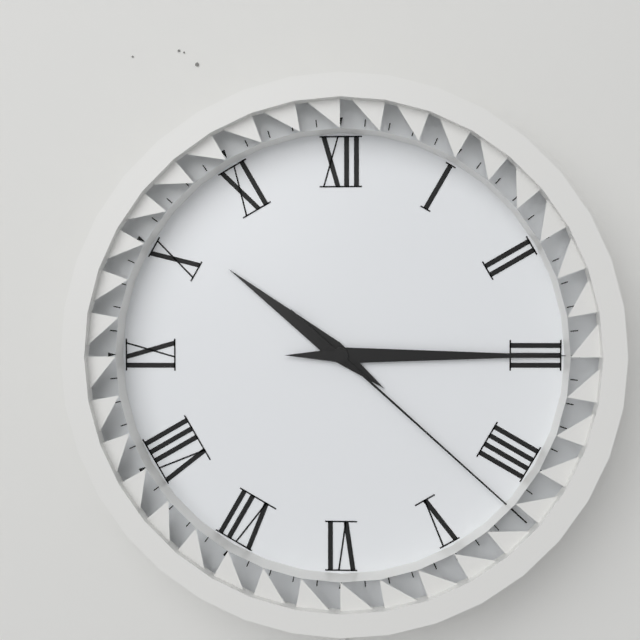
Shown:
**10:15:22**
